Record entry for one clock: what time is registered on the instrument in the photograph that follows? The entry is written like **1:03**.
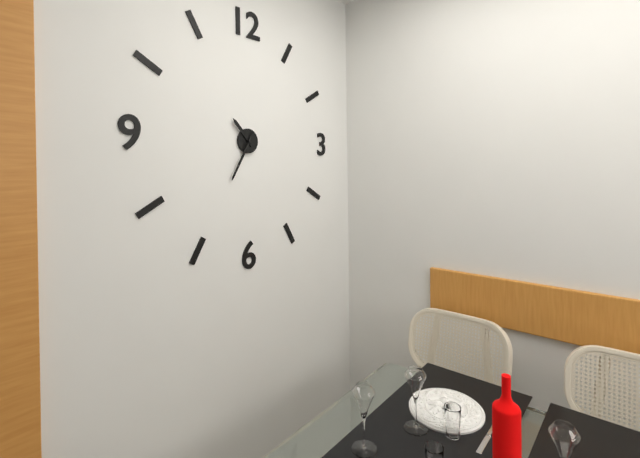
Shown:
**10:35**
